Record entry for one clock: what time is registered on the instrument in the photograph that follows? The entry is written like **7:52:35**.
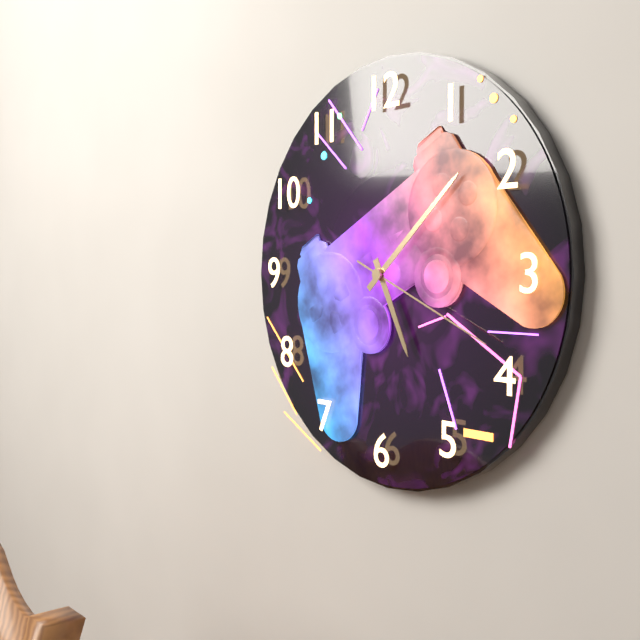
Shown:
**5:08:19**
